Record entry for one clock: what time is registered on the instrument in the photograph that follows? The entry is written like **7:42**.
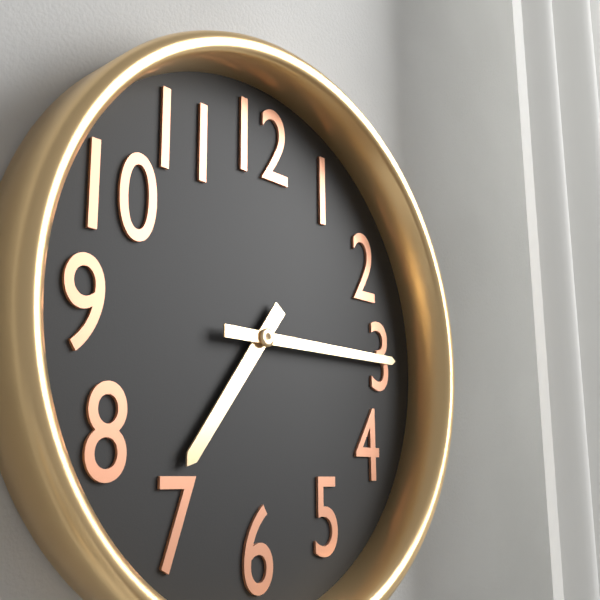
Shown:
**7:15**
